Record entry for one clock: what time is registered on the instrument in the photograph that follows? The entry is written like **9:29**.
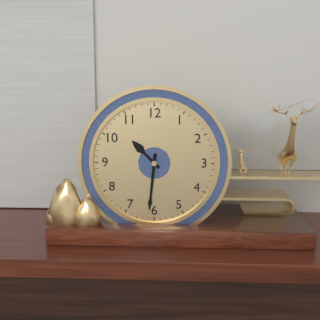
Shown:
**10:31**
